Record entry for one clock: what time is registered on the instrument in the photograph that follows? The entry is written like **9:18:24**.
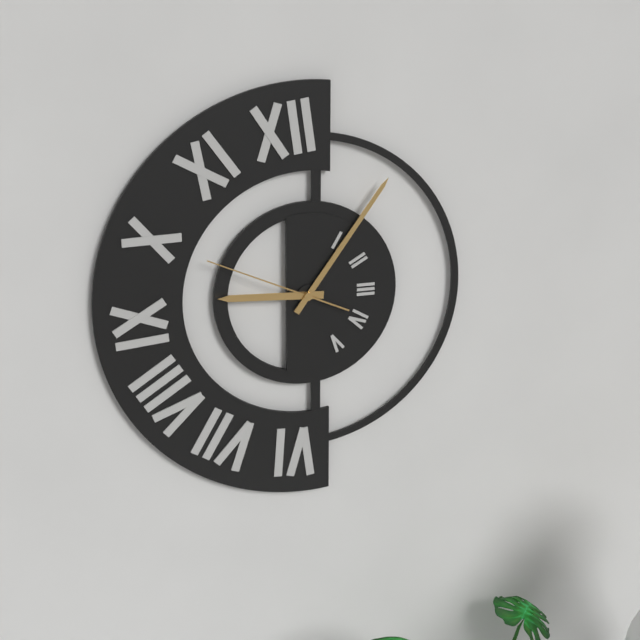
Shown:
**9:06:49**
